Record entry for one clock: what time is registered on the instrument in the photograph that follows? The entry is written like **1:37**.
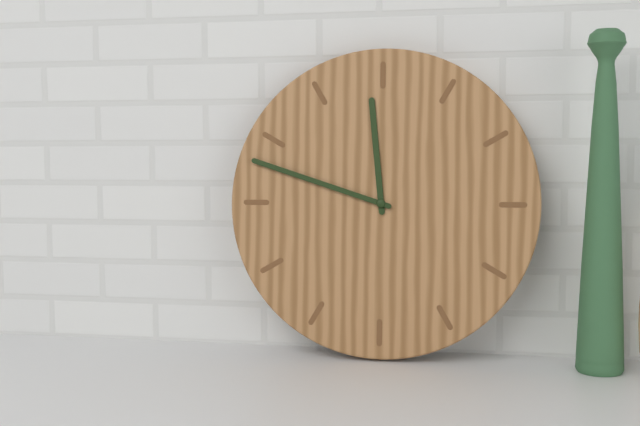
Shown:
**11:48**
